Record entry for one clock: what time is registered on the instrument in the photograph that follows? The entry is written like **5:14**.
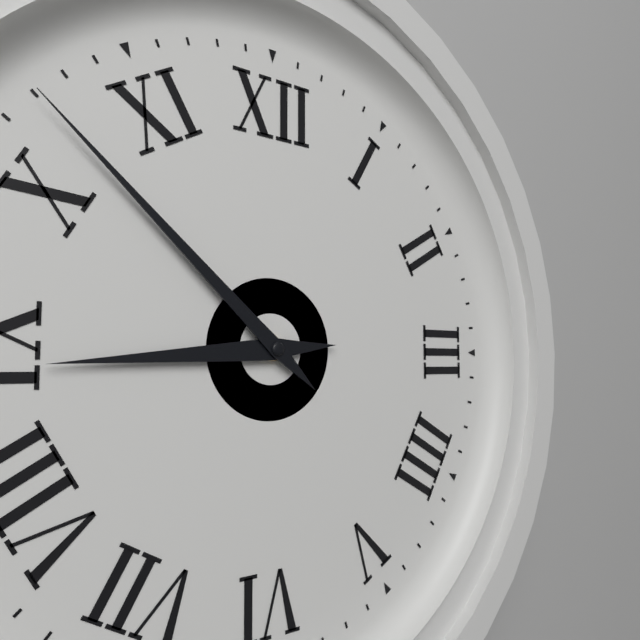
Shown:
**8:52**
